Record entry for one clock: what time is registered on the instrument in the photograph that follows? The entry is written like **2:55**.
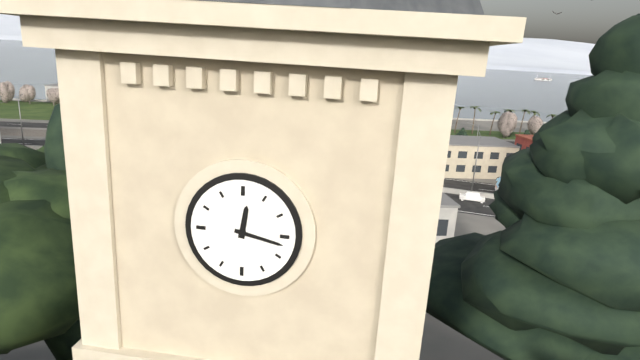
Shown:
**12:17**
